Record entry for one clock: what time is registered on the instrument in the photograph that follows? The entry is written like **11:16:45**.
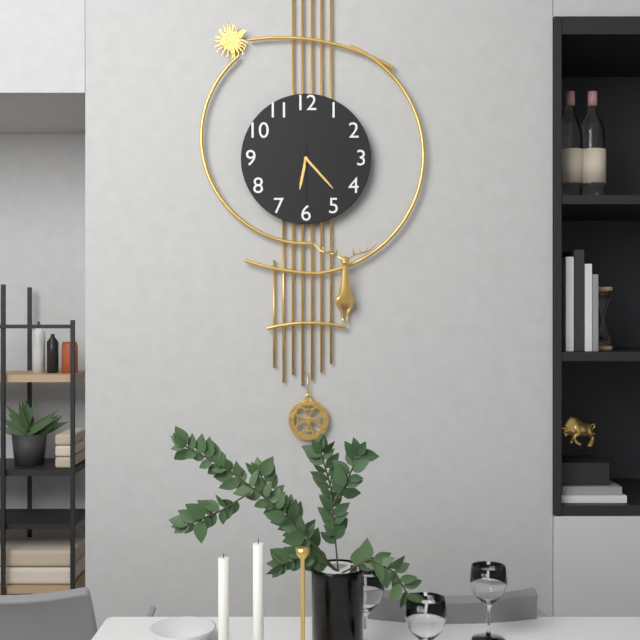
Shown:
**6:23:30**
